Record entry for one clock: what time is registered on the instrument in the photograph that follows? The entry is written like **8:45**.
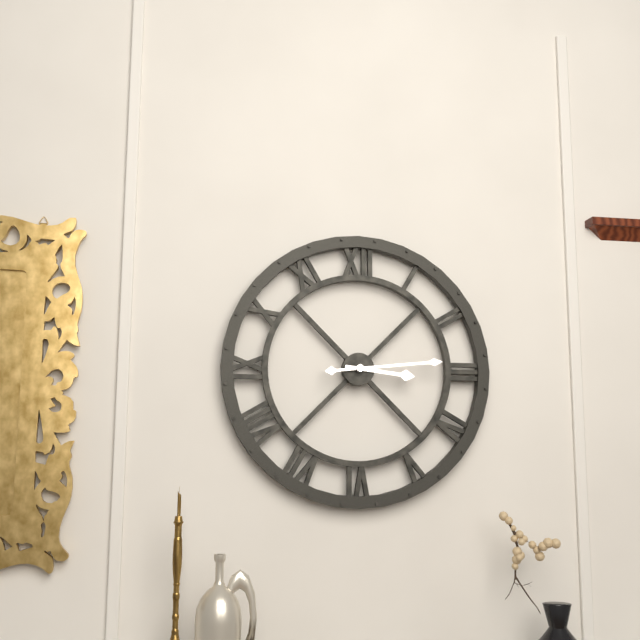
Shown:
**3:14**
